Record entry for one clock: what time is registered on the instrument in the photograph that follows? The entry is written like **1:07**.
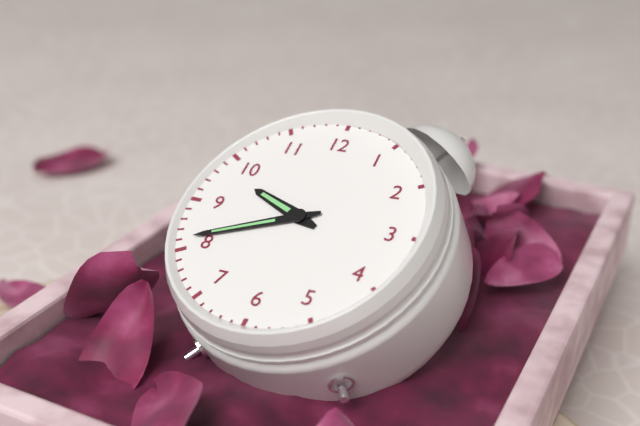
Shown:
**9:41**
